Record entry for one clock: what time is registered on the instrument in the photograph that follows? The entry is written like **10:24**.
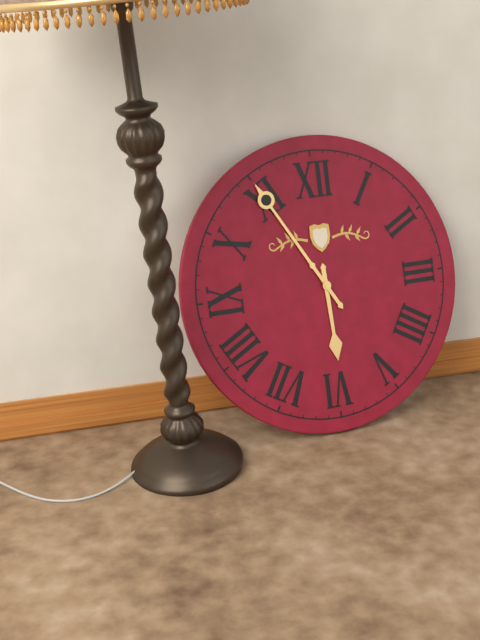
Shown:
**5:55**
